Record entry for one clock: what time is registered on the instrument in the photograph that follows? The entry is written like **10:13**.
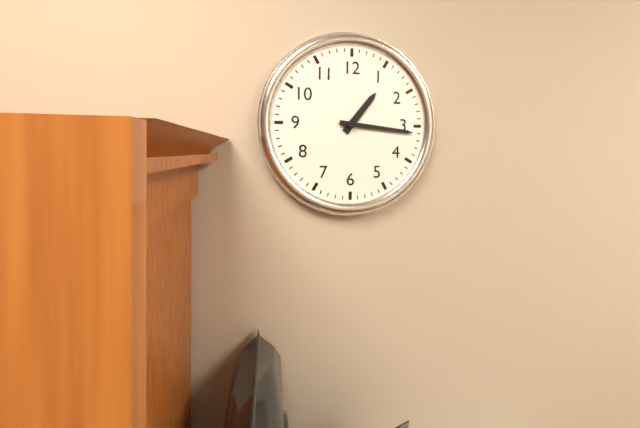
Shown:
**1:16**
